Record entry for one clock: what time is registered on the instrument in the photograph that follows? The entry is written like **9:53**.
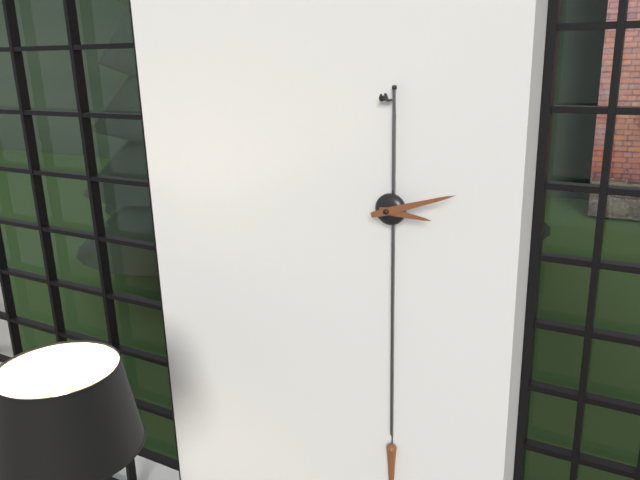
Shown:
**3:12**
